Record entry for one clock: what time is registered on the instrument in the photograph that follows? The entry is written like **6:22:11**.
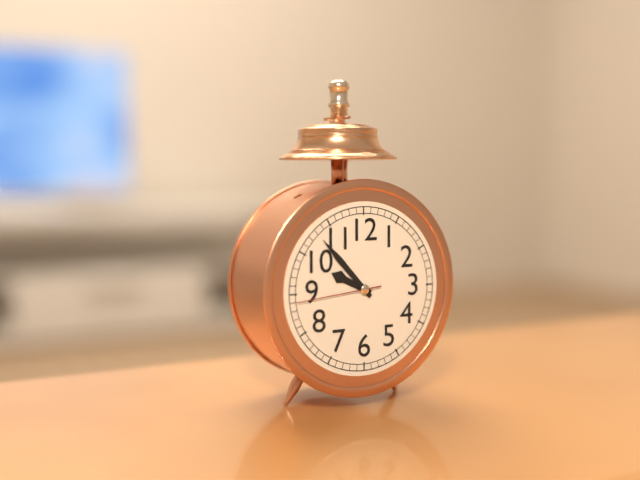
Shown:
**9:53:44**
